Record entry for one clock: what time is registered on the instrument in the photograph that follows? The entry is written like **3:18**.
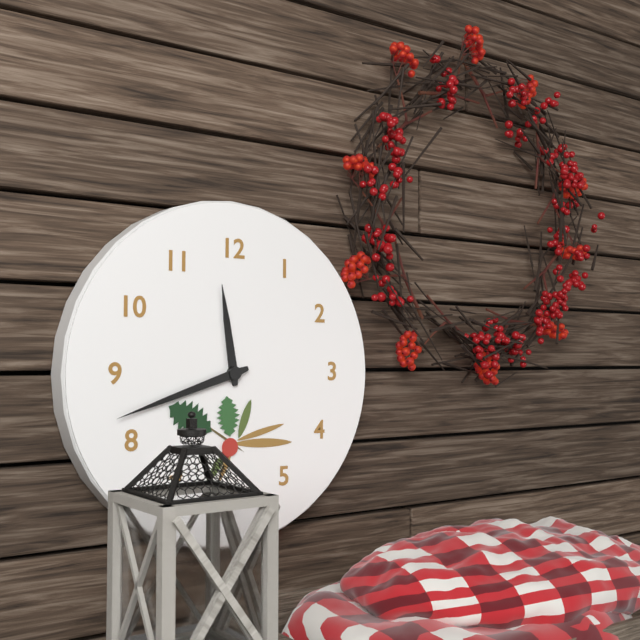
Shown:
**11:42**
